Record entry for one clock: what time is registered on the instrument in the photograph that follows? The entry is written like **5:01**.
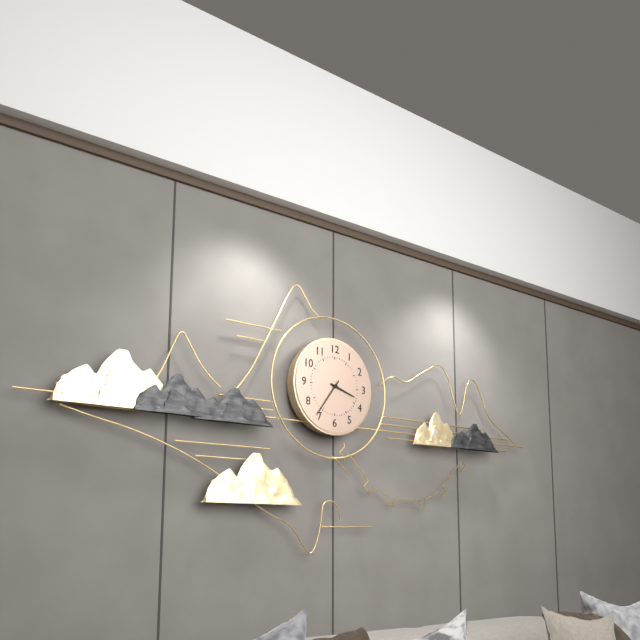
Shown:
**3:36**
